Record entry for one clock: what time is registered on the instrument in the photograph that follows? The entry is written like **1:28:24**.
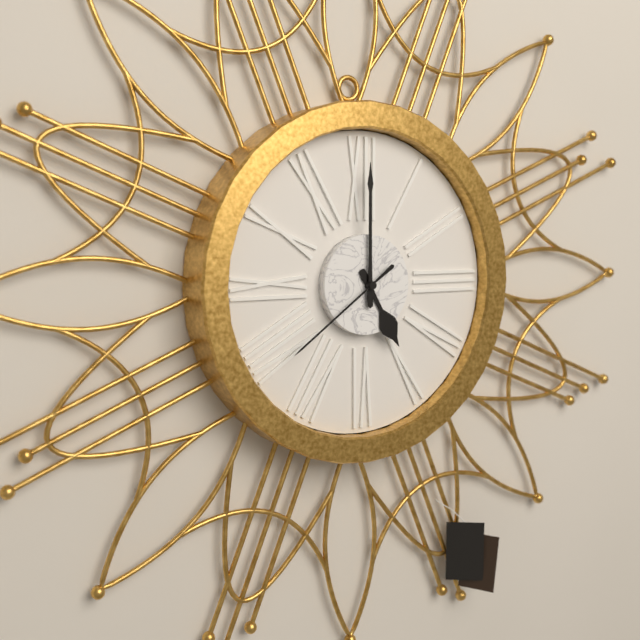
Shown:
**5:00:39**
